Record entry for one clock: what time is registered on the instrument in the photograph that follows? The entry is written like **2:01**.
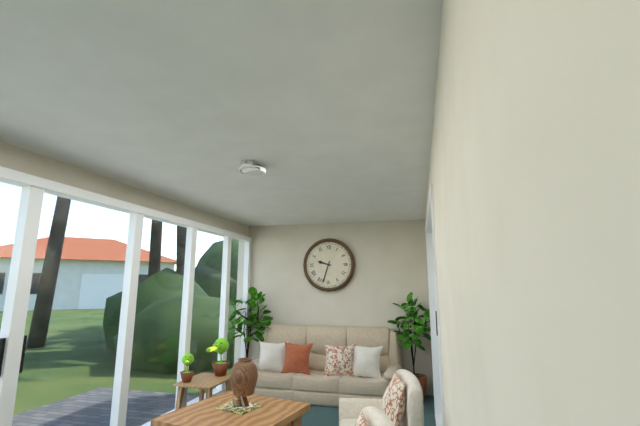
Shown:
**9:33**
